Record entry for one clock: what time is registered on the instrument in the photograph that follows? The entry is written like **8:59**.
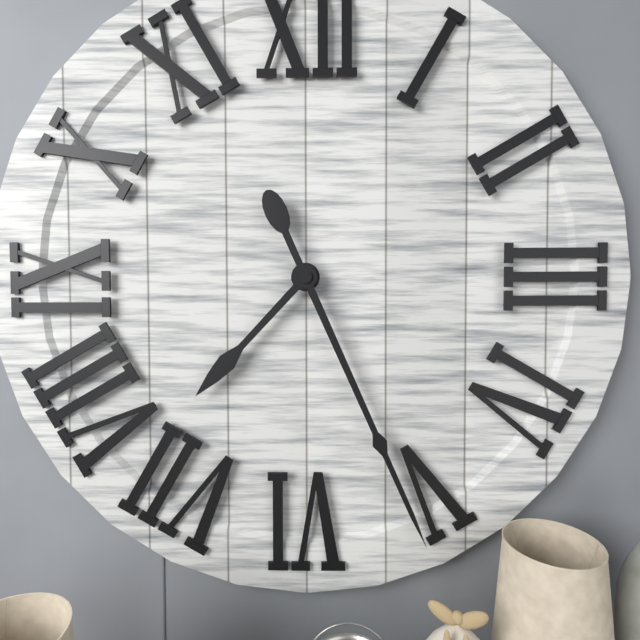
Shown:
**7:26**
